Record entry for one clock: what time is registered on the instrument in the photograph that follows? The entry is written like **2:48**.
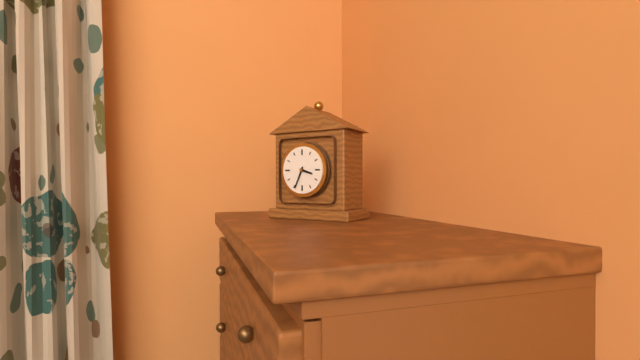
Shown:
**3:34**
